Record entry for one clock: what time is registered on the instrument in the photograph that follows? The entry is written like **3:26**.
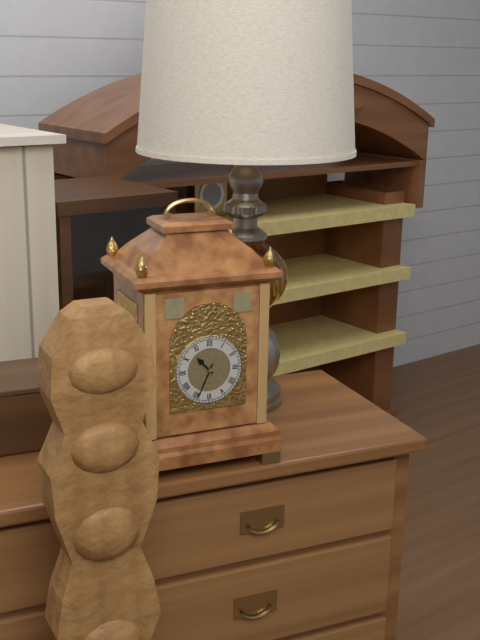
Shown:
**10:34**
